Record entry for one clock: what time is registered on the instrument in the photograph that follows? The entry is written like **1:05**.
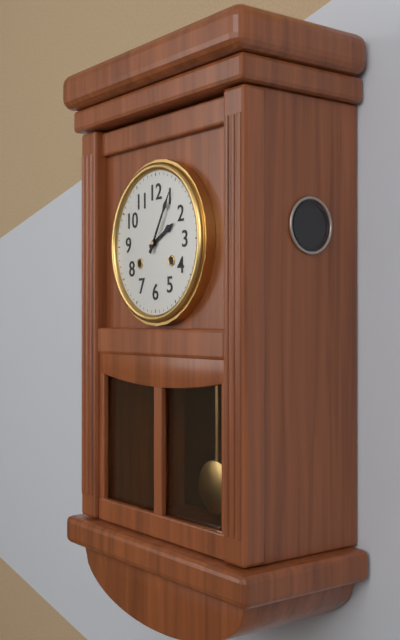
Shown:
**2:05**
